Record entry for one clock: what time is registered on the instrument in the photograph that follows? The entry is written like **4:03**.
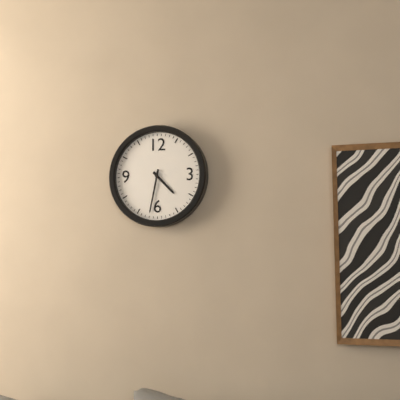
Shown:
**4:32**
